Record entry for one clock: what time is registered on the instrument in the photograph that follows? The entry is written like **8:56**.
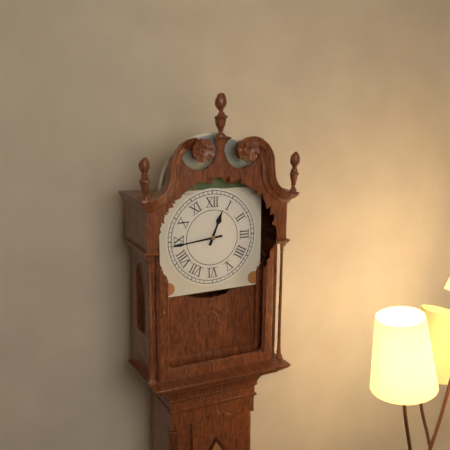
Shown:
**12:44**
